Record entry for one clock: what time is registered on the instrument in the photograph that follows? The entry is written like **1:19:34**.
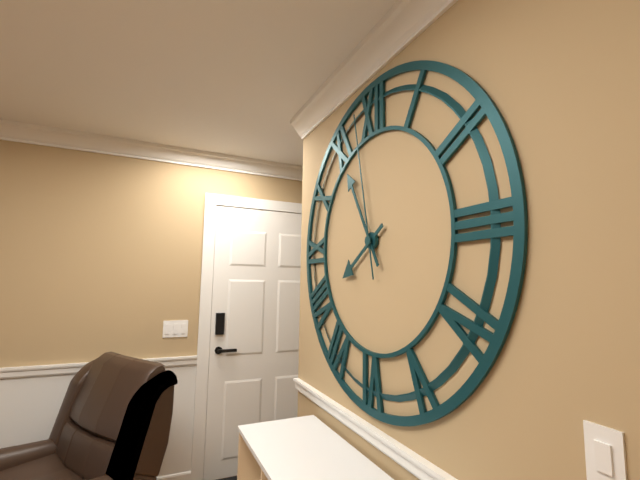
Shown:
**7:55:58**
